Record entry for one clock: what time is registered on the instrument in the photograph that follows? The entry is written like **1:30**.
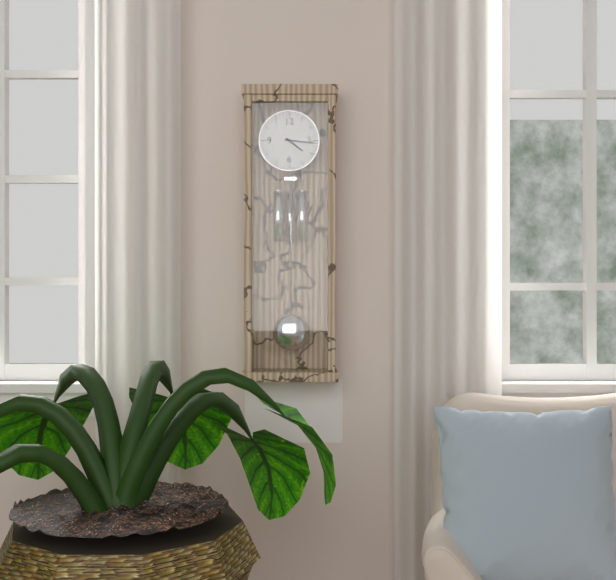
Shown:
**4:16**
